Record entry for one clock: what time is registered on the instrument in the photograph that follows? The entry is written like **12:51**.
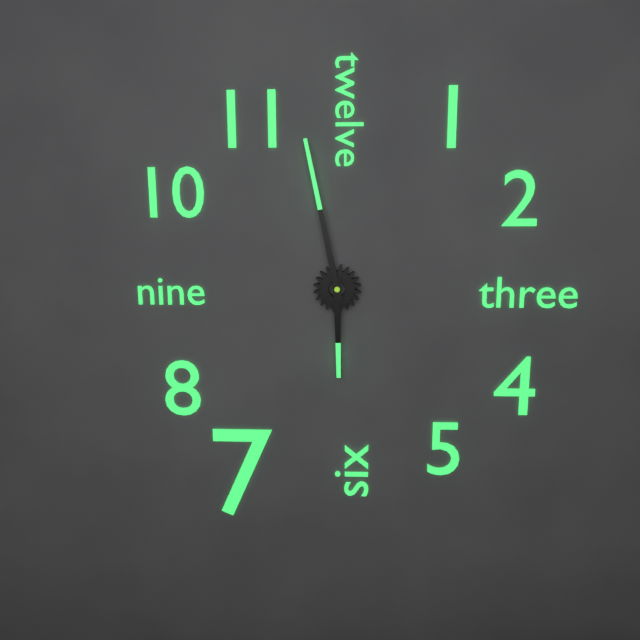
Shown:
**5:58**
